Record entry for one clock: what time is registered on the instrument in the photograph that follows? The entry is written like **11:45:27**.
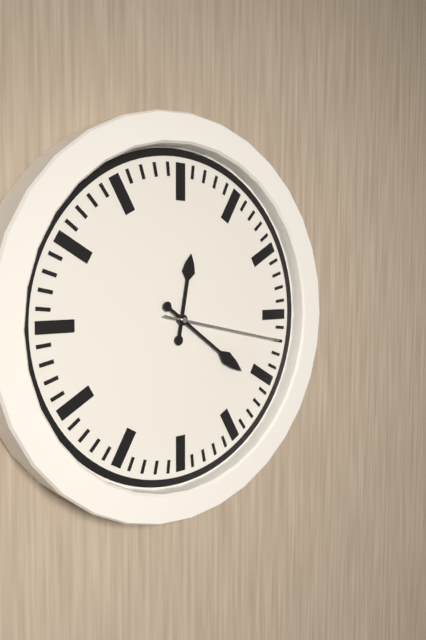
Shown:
**12:21:17**
